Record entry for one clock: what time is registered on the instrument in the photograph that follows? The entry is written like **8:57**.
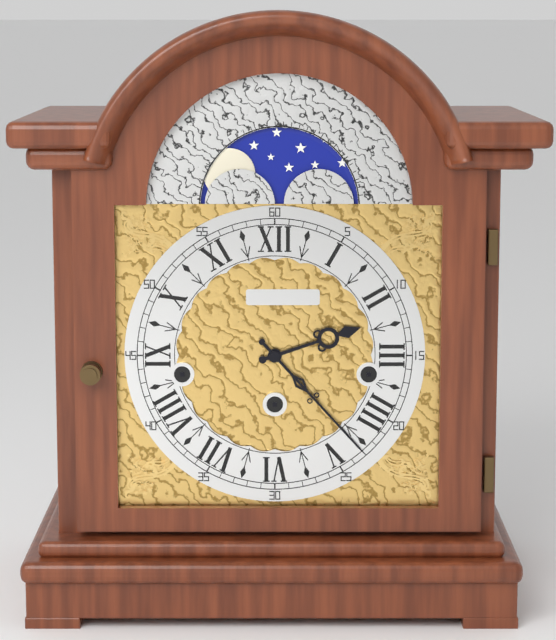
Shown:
**2:23**
